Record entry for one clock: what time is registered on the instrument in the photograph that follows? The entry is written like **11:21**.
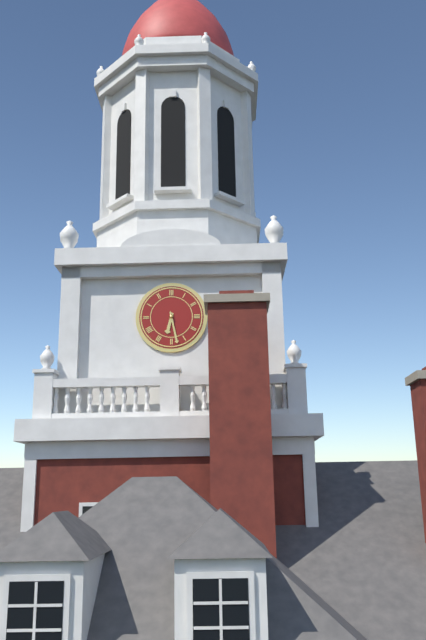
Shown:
**6:28**
